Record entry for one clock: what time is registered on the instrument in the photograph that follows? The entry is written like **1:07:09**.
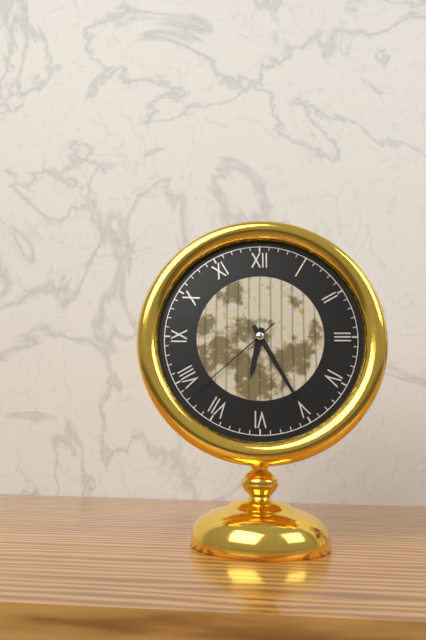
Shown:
**6:25:38**
